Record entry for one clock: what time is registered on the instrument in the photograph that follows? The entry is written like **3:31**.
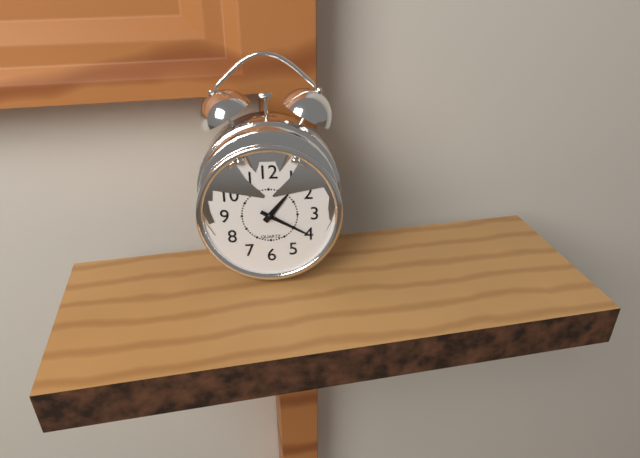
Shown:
**1:20**
